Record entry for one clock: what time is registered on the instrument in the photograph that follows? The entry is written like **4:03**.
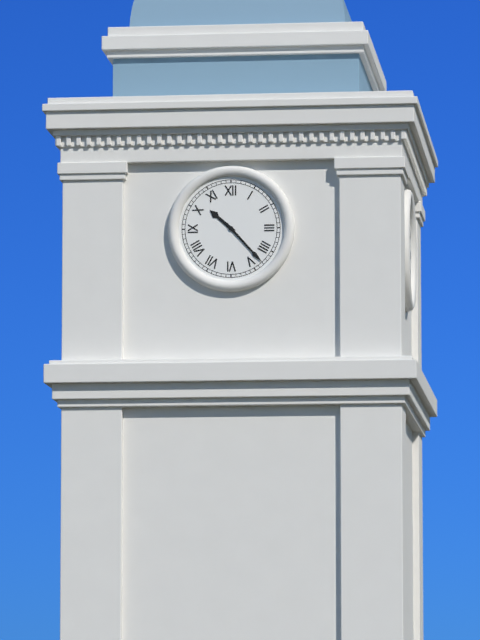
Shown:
**10:23**
